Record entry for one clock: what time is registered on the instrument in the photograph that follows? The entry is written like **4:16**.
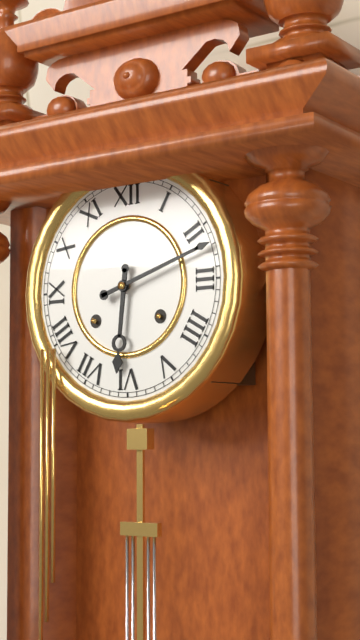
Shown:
**6:12**
